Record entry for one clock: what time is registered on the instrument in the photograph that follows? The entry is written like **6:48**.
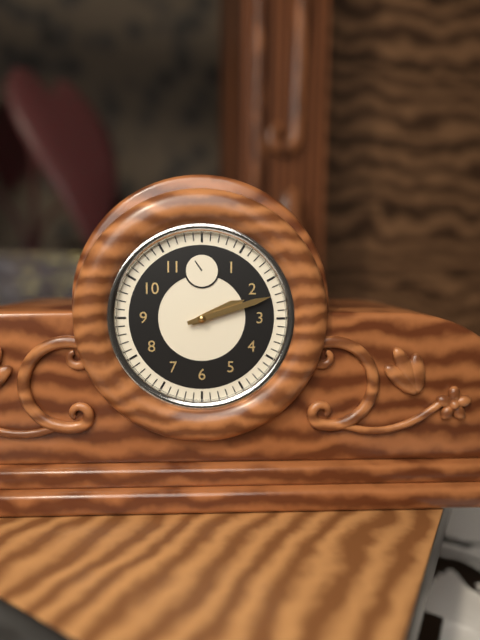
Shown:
**2:12**
